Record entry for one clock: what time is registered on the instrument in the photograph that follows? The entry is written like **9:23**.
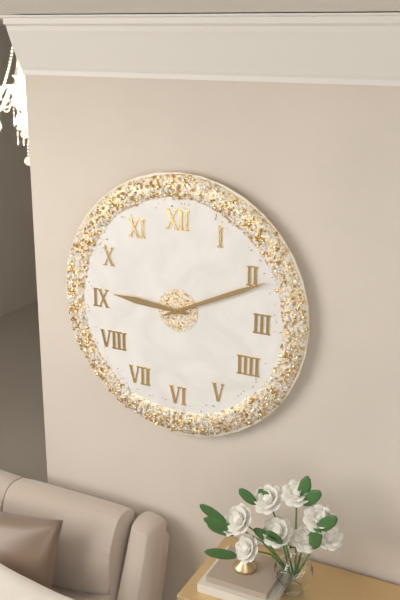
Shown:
**9:11**
